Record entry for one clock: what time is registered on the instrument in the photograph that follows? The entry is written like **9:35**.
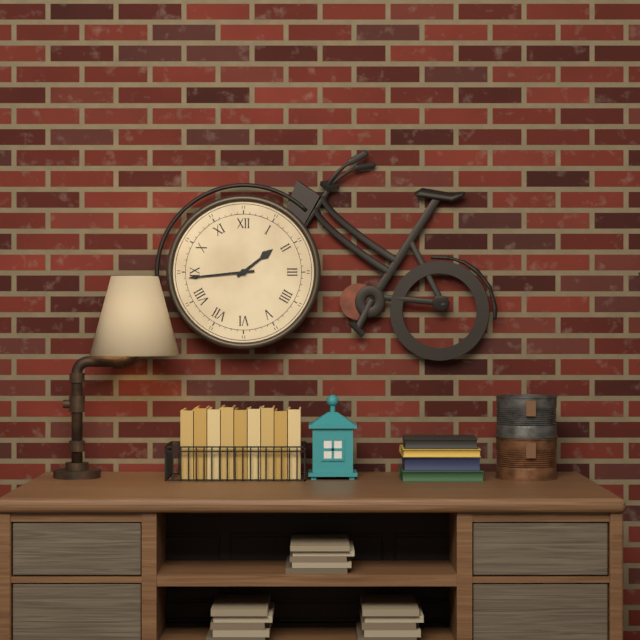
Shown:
**1:44**
